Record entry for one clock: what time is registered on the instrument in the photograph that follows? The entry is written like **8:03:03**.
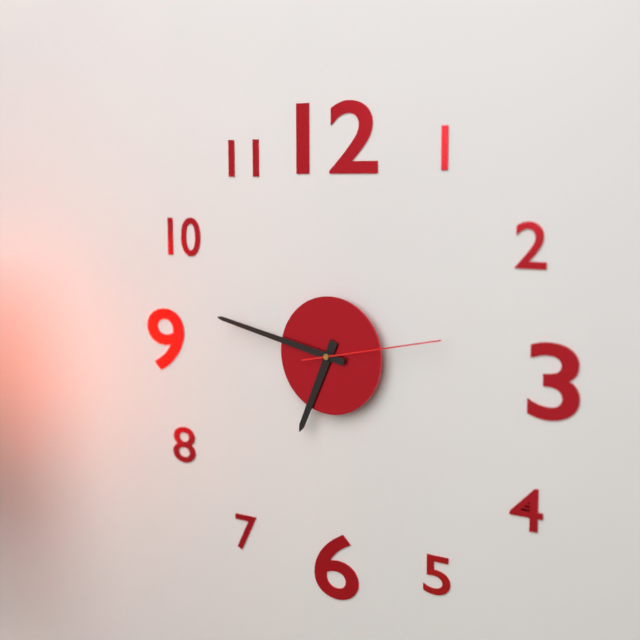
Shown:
**6:47:13**
